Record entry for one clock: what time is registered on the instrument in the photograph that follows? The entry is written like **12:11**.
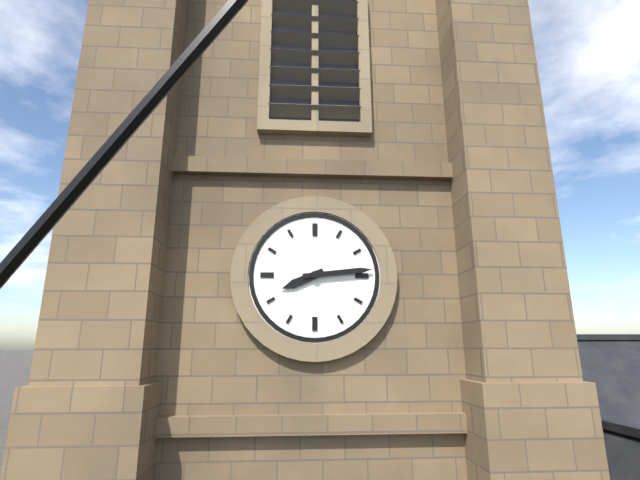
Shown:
**8:14**
